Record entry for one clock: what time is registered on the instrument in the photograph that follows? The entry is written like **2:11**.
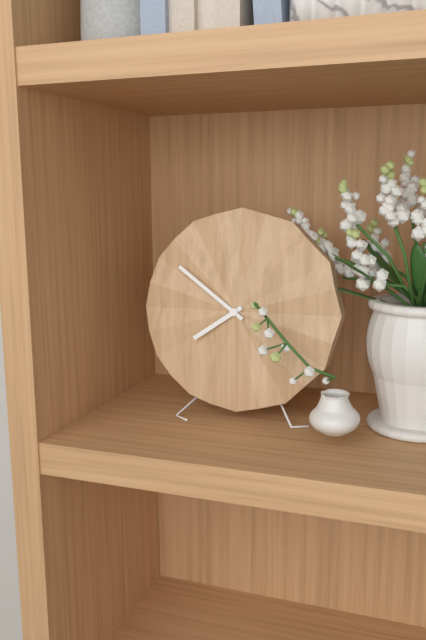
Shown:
**7:51**
